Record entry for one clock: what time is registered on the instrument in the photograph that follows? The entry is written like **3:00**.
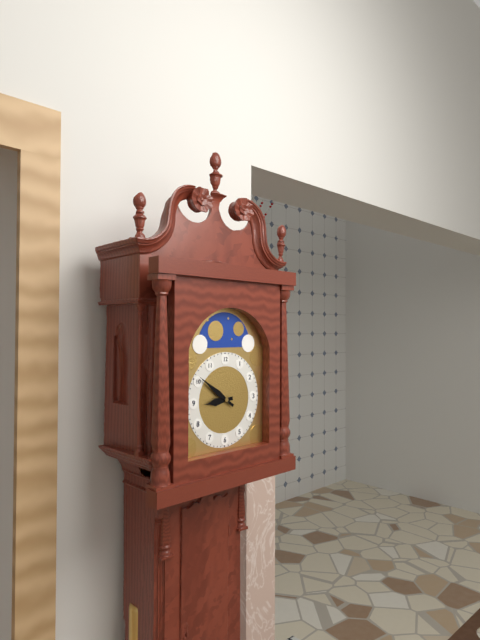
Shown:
**8:51**
